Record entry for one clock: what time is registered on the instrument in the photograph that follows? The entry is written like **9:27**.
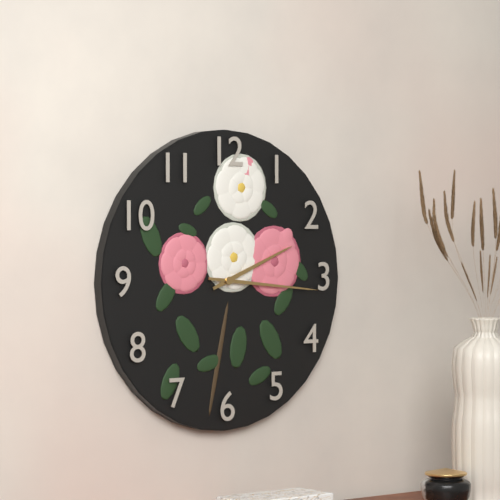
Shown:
**2:16**
